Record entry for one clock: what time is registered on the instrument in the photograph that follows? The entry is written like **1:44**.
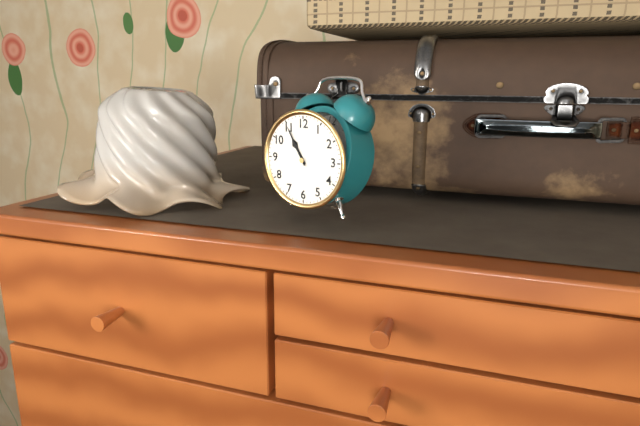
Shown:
**10:55**
